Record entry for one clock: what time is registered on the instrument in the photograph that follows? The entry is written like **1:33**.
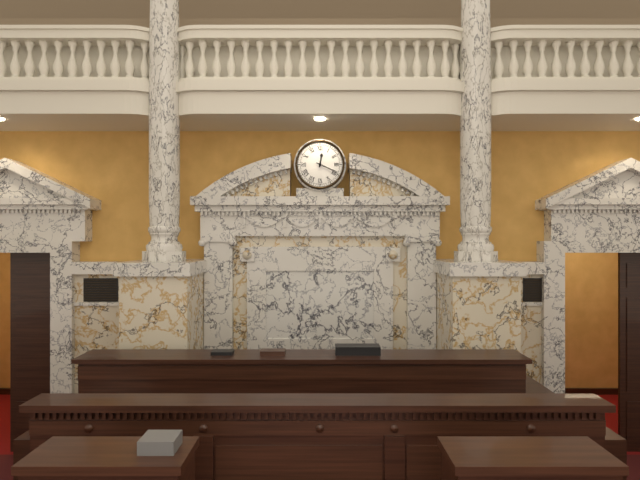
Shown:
**12:19**
